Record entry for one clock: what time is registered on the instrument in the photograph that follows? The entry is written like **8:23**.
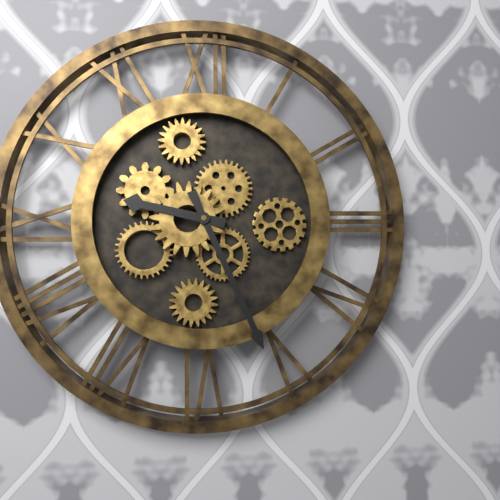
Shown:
**9:26**
